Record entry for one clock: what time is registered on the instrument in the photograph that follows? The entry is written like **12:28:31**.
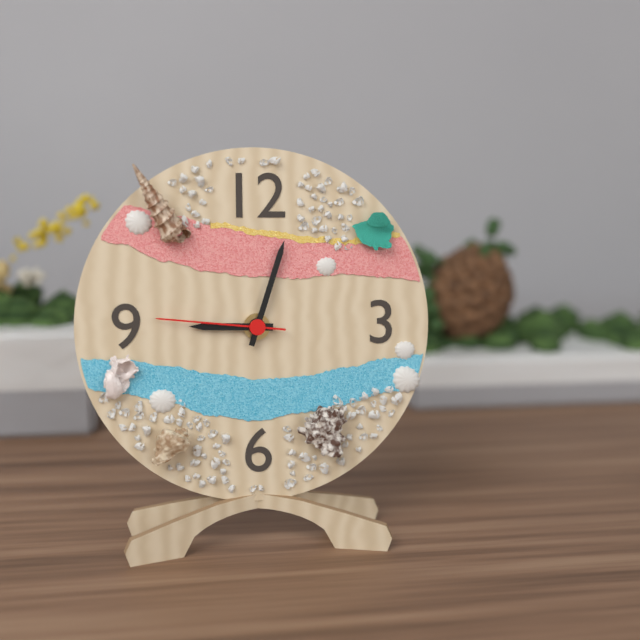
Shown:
**9:03:46**
